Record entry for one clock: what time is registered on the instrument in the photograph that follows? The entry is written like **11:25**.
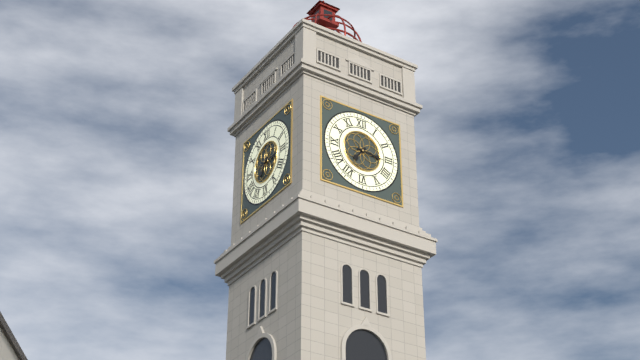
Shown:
**7:16**
